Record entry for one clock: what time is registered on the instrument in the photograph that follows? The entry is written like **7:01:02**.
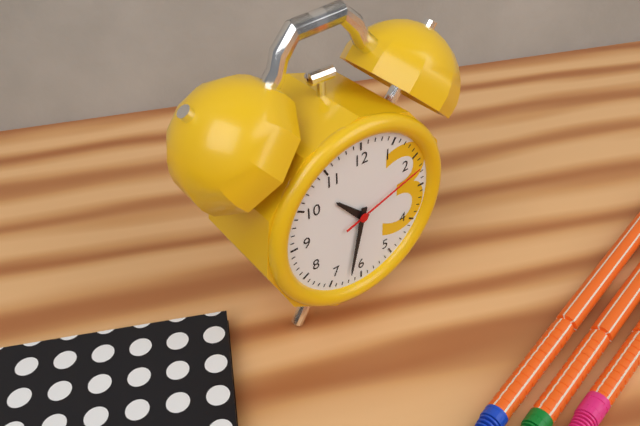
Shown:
**10:32:12**
